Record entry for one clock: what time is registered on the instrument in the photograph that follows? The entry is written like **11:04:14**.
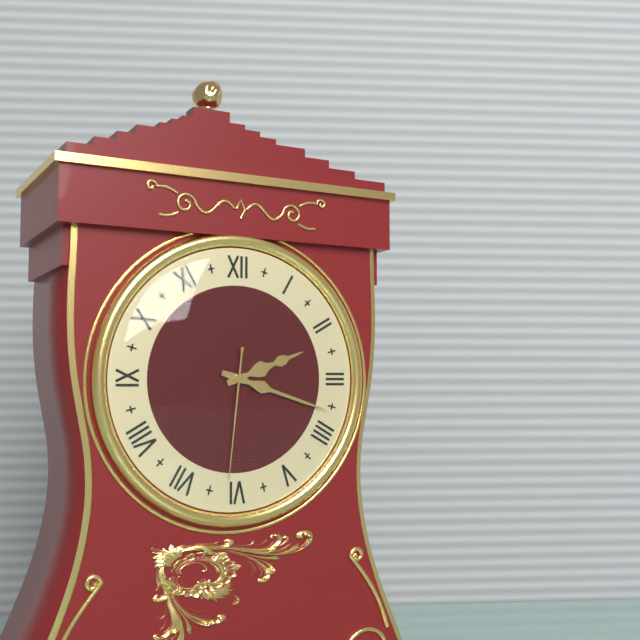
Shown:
**2:18:31**
